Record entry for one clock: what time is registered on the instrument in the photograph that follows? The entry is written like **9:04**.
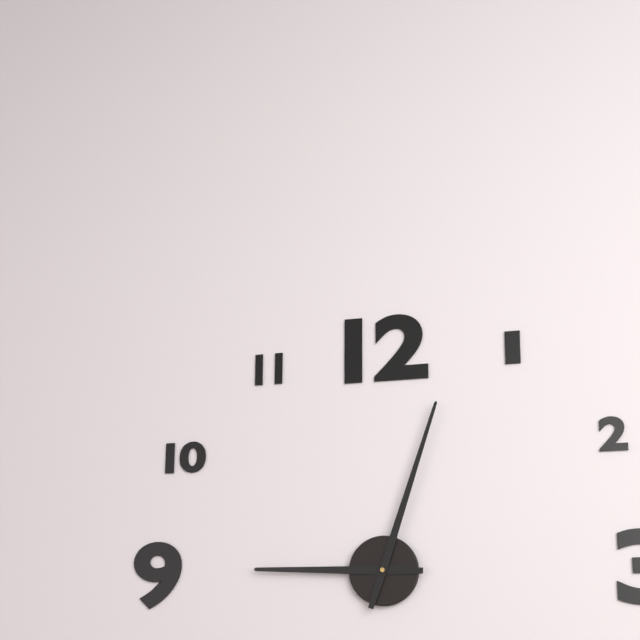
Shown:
**9:03**
